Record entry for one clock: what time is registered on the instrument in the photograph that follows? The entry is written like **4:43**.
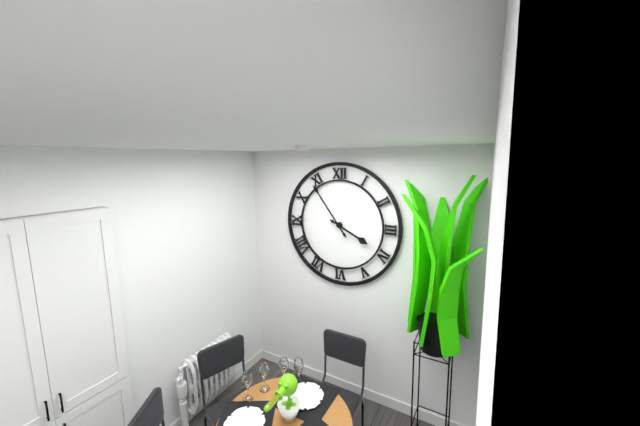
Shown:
**3:54**
